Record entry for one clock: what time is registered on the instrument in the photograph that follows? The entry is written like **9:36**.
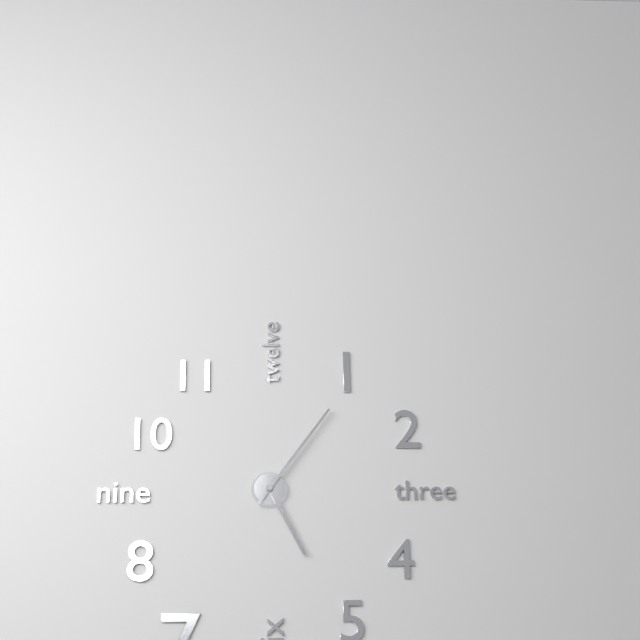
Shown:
**5:06**
